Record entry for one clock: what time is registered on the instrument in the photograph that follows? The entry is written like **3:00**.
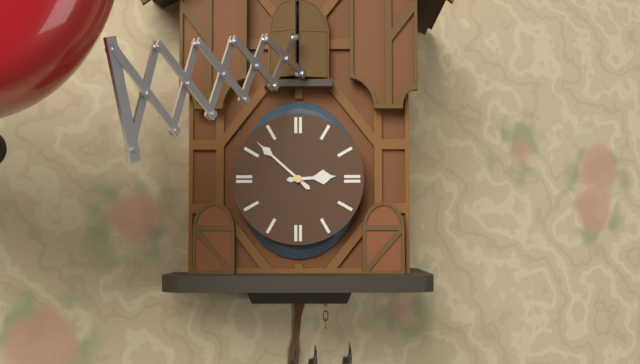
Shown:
**2:52**
